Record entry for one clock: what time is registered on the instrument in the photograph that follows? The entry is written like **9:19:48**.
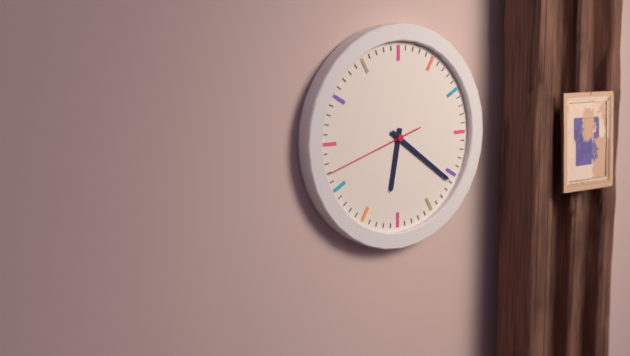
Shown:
**6:21:42**
